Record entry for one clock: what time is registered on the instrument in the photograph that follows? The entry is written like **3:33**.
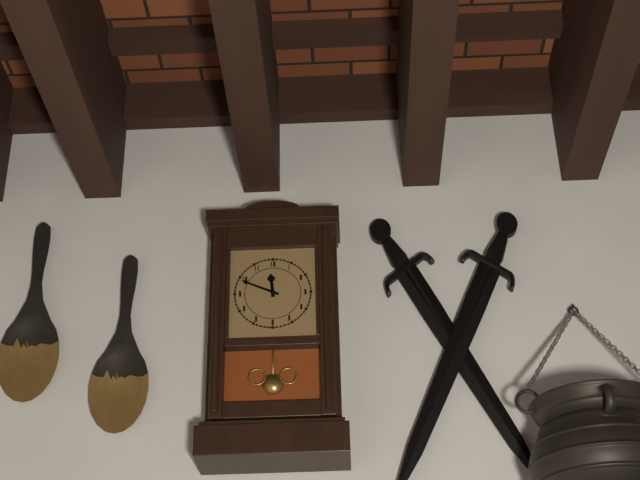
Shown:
**11:49**
